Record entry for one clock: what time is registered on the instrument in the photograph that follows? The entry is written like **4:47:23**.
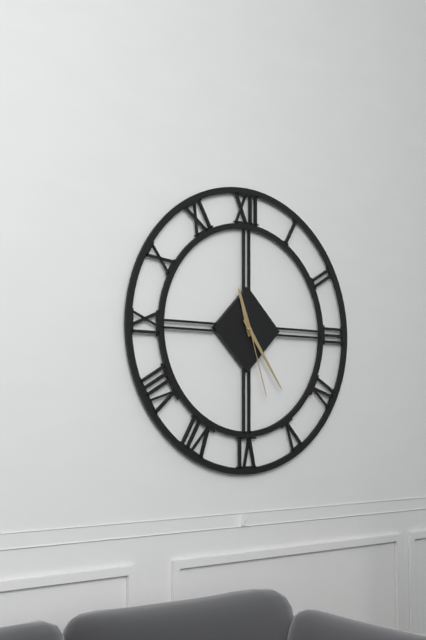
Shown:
**11:24:27**
